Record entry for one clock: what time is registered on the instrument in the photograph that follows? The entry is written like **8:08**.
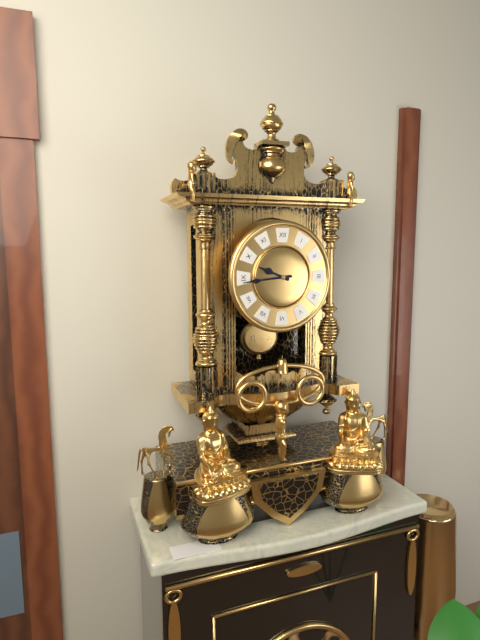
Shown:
**9:44**
